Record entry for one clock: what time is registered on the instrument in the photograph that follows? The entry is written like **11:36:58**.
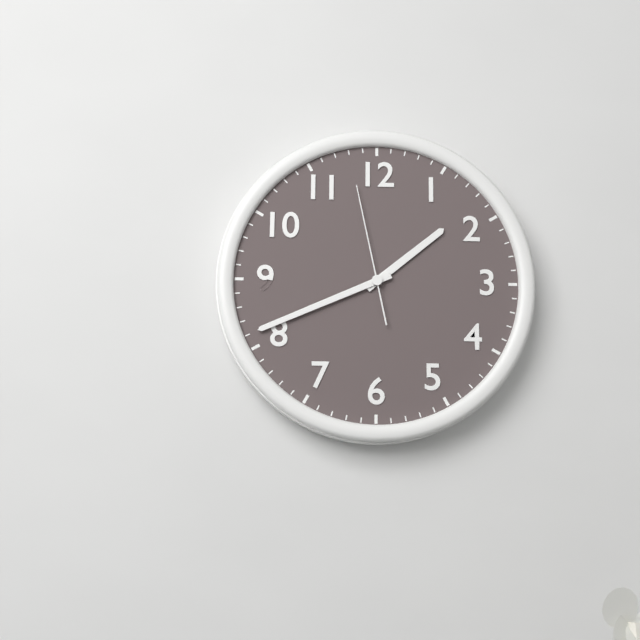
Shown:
**1:41:58**
